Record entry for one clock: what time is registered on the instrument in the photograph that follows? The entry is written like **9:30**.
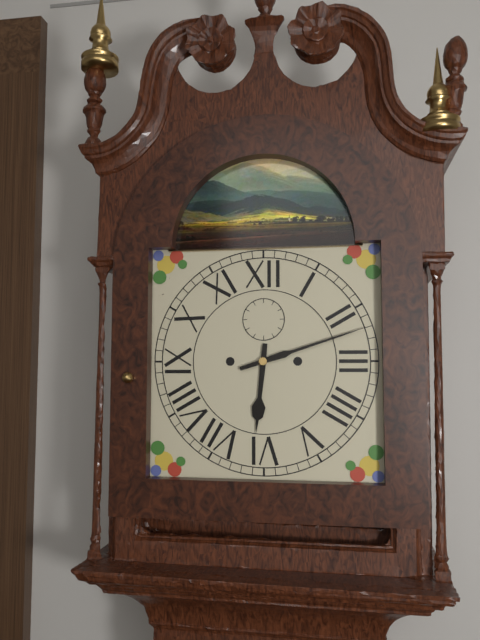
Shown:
**6:12**
